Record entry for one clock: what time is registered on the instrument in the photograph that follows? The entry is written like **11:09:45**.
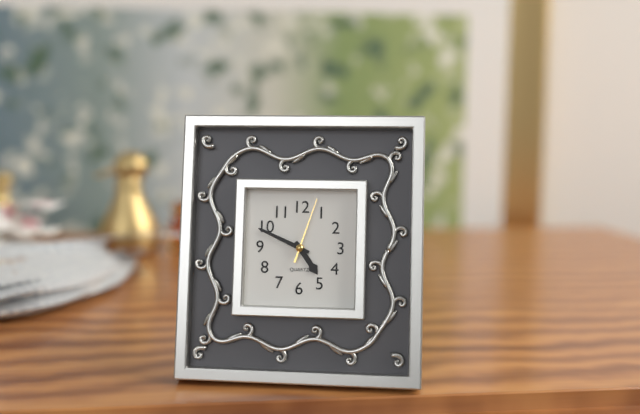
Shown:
**4:49:03**
